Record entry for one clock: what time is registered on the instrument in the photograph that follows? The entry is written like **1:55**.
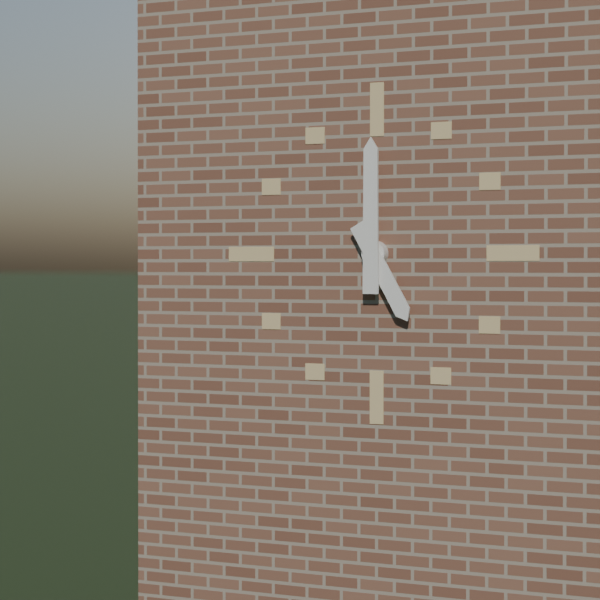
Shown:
**5:00**
